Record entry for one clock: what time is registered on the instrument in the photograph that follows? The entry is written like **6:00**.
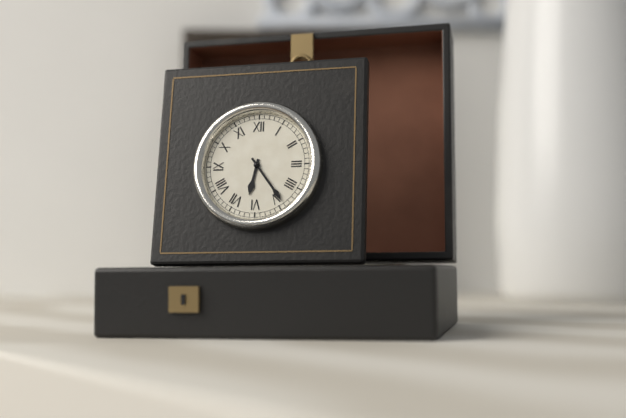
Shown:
**6:24**
